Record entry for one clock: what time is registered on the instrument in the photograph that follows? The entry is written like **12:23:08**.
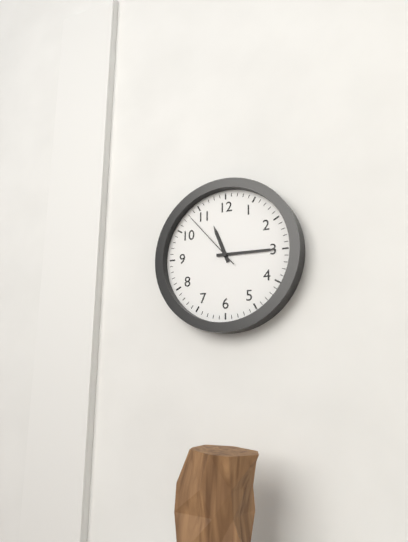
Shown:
**11:15:53**
